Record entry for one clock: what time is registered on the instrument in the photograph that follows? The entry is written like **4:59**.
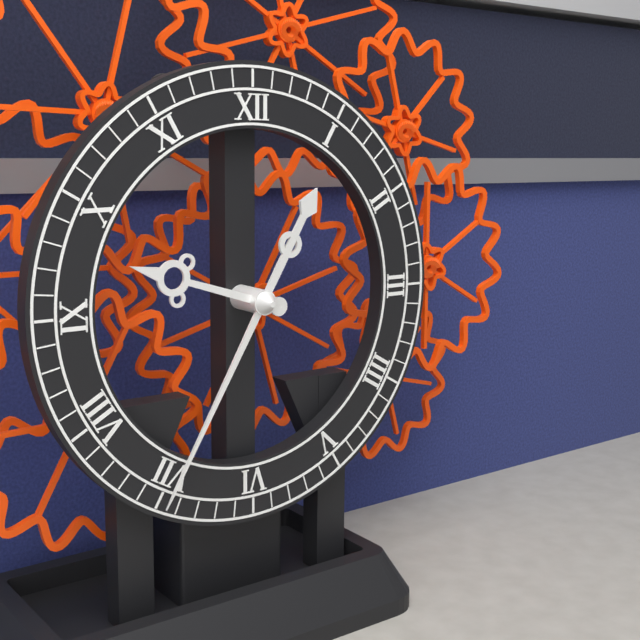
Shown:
**9:35**
